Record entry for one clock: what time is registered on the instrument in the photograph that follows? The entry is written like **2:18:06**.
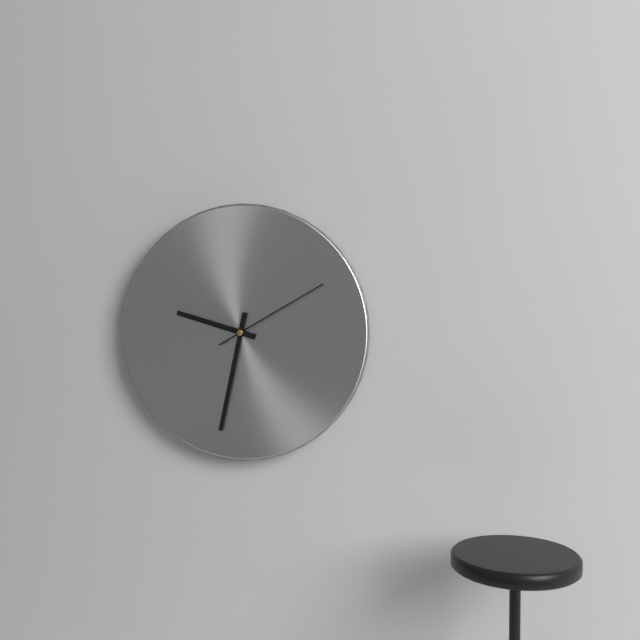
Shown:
**9:32:10**
